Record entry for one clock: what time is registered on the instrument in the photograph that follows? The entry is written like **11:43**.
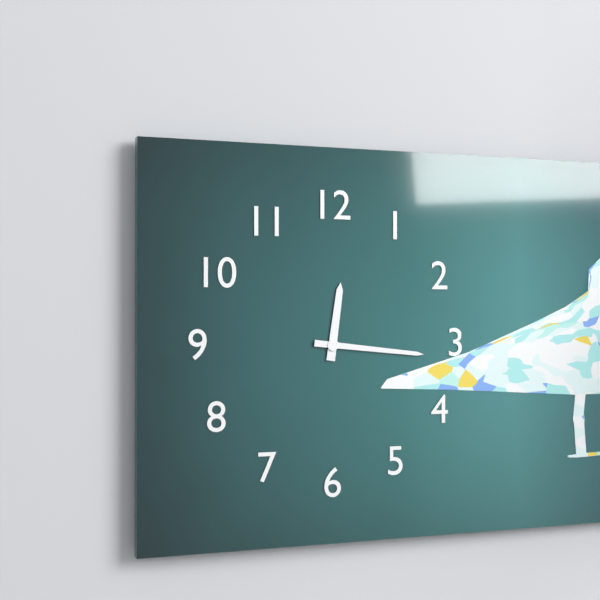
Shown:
**12:16**
